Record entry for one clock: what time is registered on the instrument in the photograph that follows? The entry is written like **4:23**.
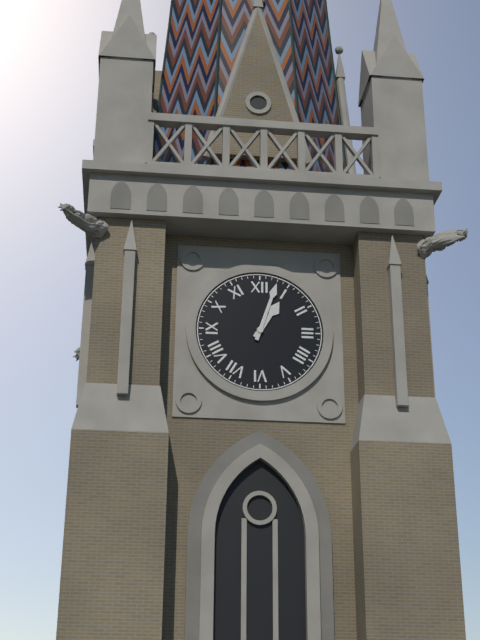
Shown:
**1:03**
